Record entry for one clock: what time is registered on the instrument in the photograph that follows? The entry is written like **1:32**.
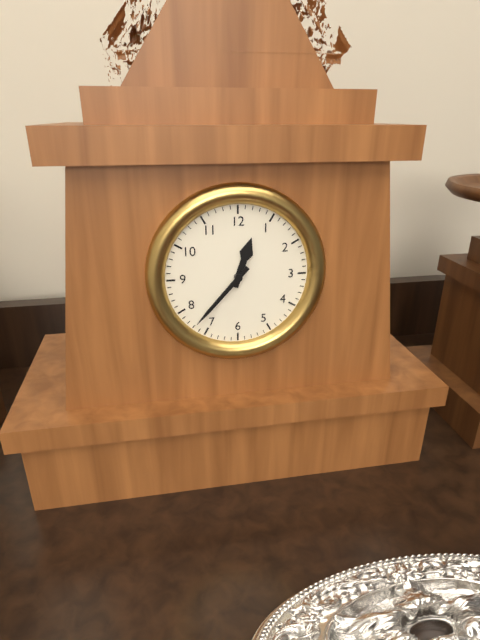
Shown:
**12:37**
